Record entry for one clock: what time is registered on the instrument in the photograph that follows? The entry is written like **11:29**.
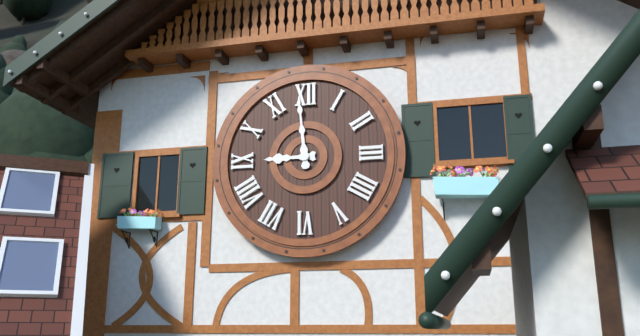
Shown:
**8:59**
